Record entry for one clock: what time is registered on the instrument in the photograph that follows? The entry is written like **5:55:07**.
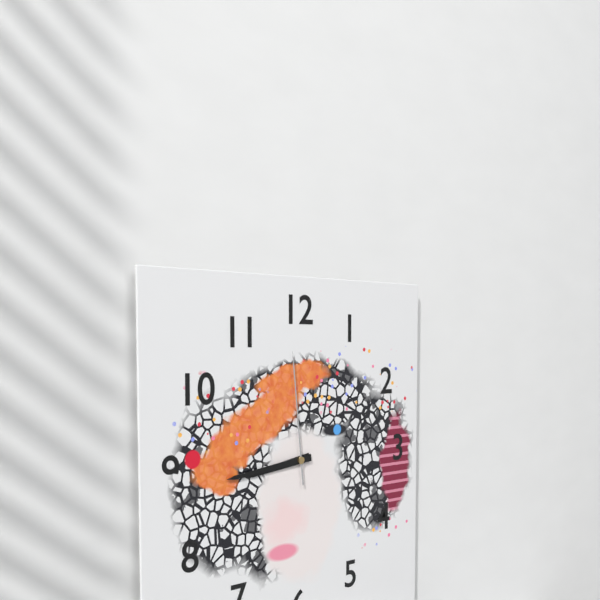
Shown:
**8:44:59**
